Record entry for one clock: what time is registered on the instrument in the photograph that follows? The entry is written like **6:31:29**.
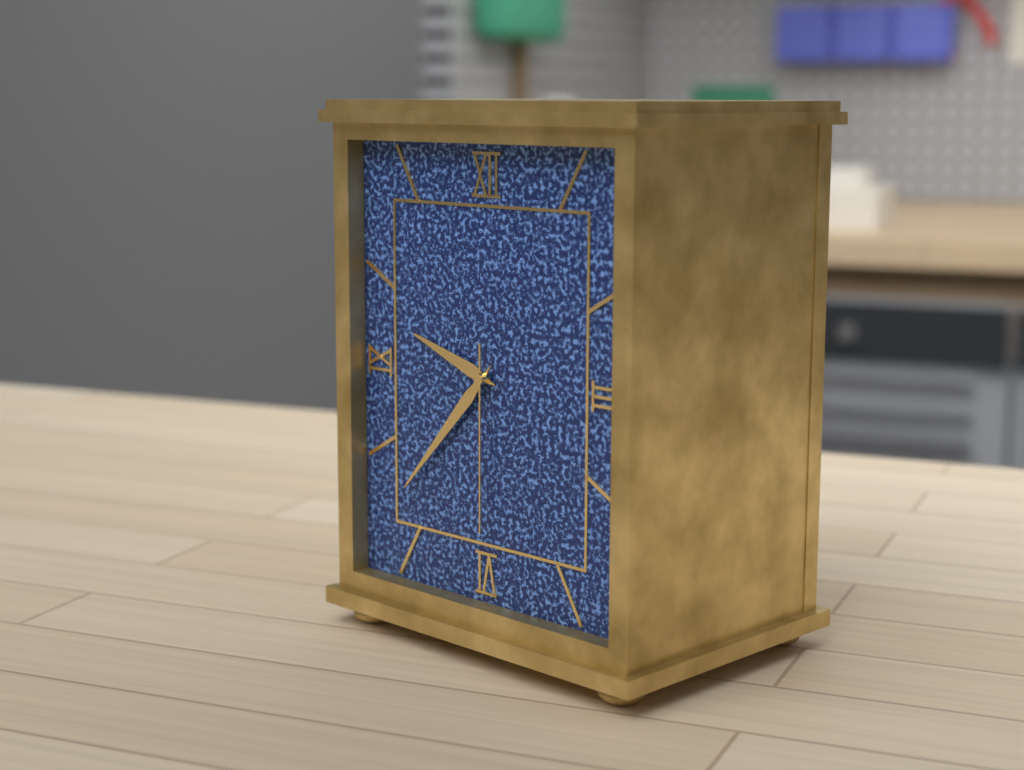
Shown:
**9:37:30**
